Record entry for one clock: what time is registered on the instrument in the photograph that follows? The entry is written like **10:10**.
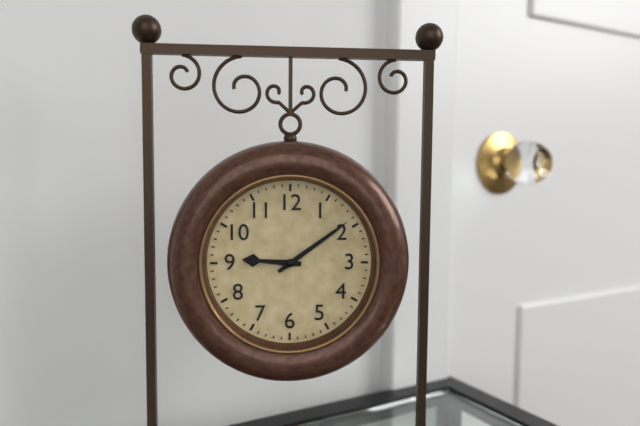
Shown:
**9:09**
